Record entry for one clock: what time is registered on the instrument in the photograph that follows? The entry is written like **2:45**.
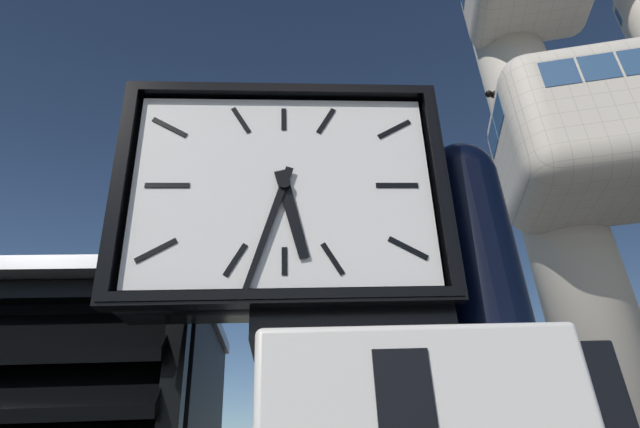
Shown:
**5:33**
